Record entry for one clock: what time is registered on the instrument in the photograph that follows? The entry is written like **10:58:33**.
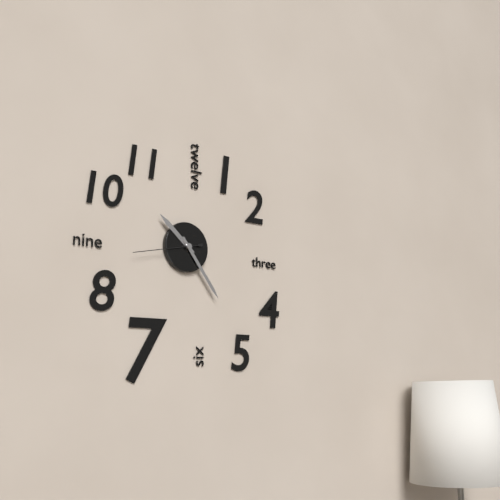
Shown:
**10:24:43**
